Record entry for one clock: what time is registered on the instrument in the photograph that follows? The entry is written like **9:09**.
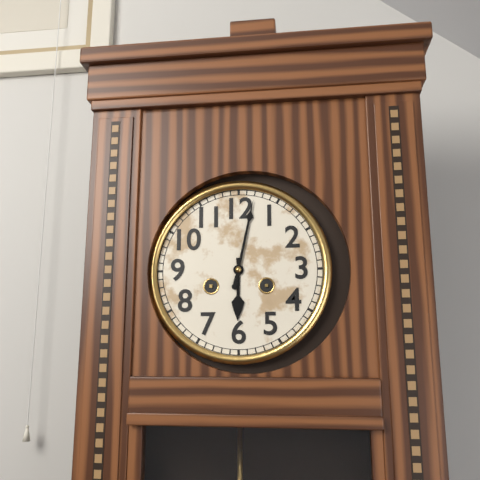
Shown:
**6:02**
